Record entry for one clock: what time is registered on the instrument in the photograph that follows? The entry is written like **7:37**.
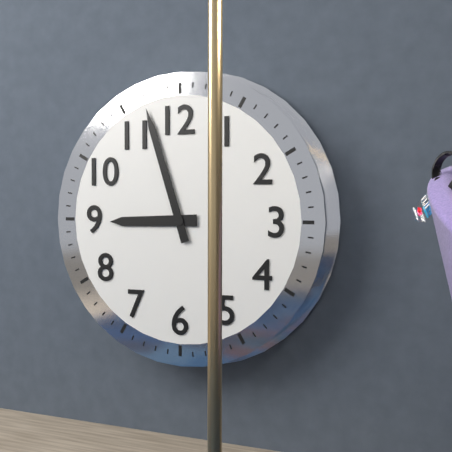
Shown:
**8:57**
